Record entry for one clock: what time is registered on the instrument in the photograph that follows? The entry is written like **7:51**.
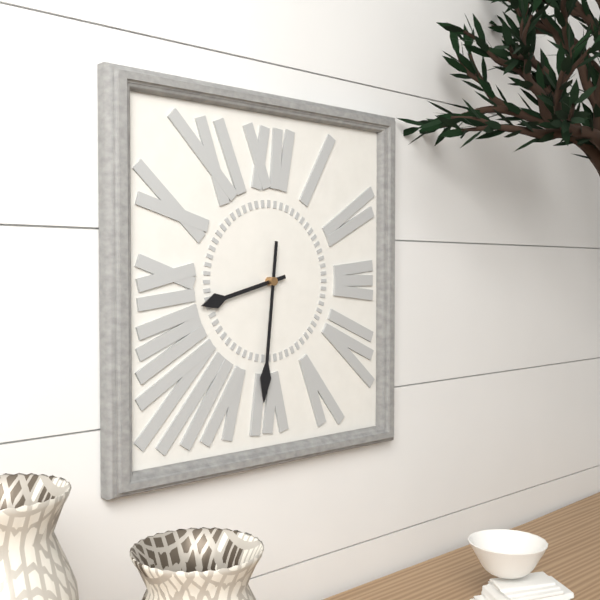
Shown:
**8:31**
